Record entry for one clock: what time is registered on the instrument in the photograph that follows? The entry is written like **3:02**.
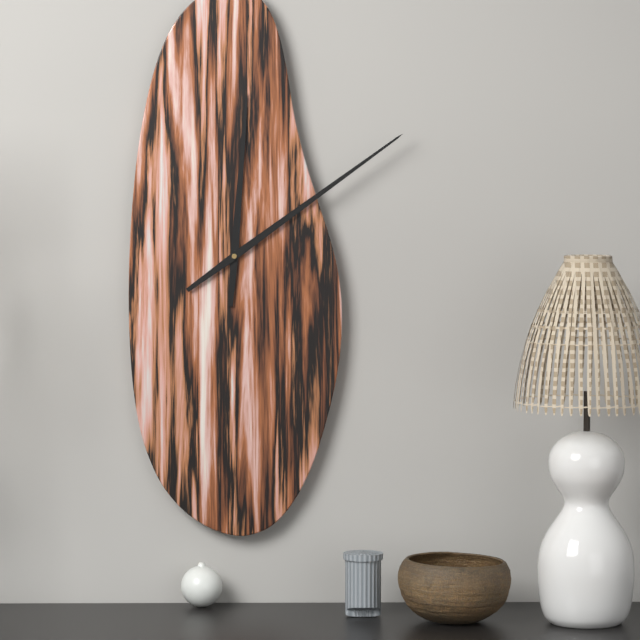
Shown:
**12:09**
